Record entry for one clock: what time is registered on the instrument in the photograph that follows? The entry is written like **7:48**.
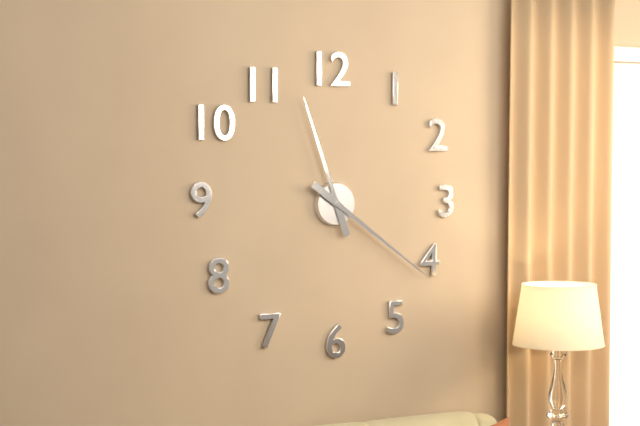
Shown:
**11:21**
